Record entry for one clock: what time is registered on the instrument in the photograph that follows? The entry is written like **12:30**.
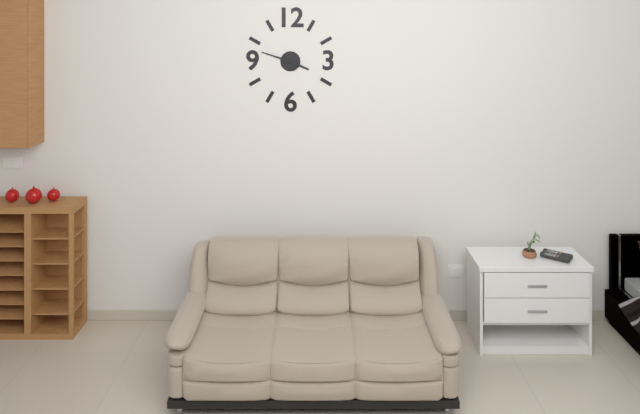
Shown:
**3:48**
